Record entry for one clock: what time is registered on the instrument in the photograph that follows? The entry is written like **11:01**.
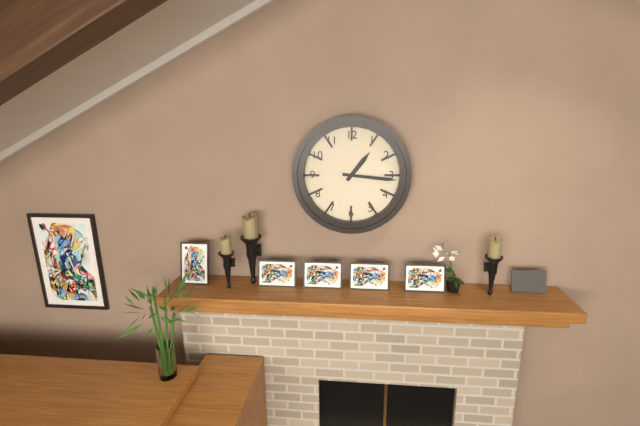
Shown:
**1:16**
